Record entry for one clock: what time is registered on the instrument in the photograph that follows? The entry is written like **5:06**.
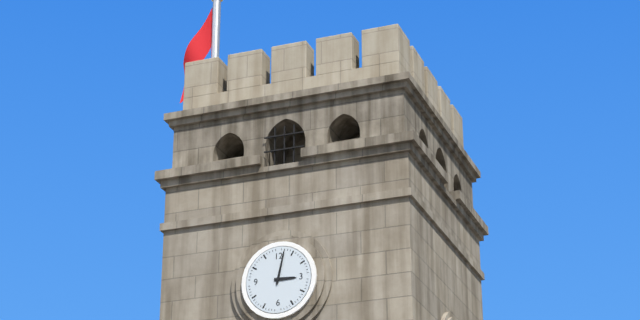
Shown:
**3:02**
